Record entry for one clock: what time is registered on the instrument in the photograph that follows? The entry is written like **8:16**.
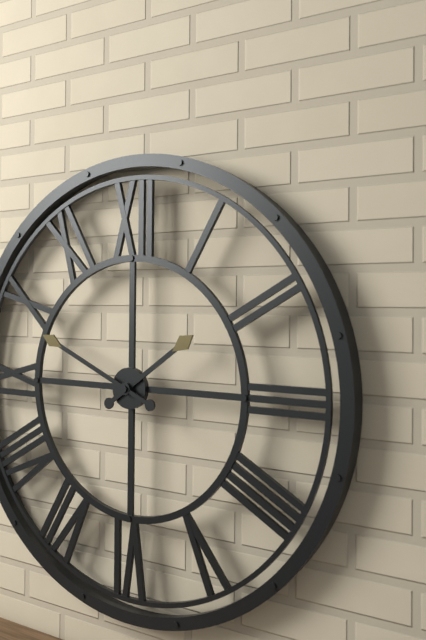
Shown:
**1:49**
